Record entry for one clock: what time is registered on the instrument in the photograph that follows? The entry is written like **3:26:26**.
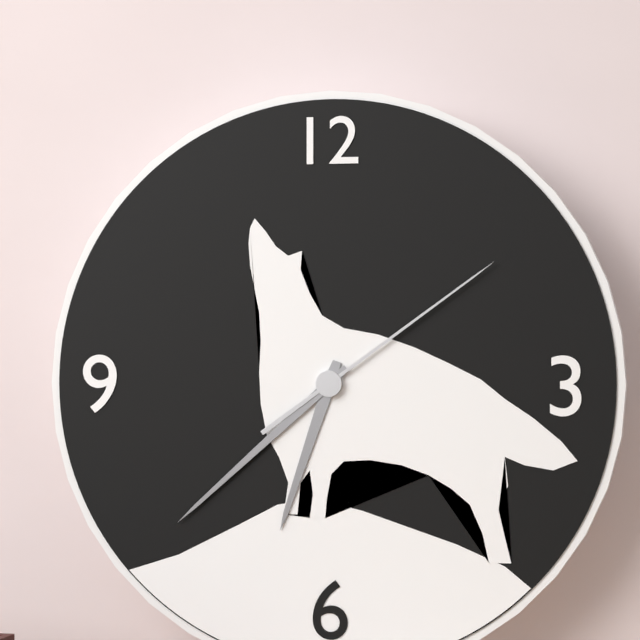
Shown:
**6:38:09**
